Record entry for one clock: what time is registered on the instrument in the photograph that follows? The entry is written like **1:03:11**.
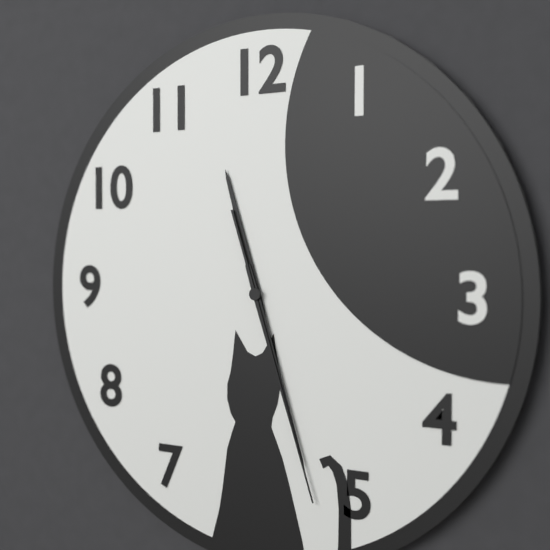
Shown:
**11:27:27**
